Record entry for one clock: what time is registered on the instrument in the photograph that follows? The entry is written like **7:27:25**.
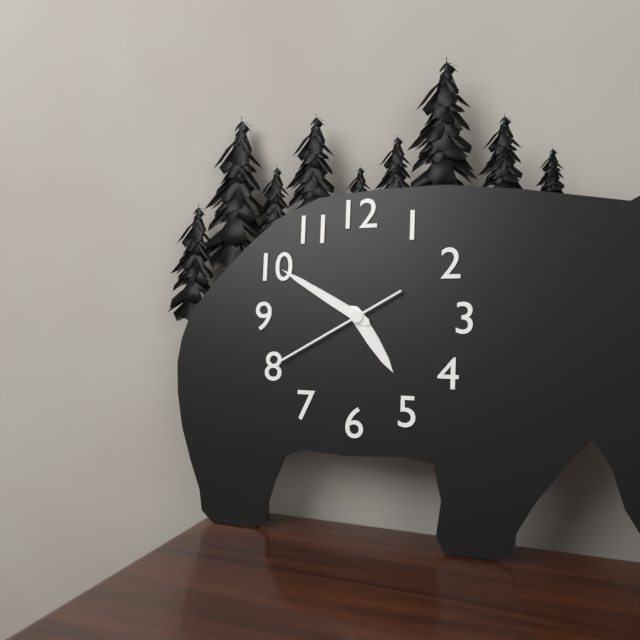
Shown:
**4:50:40**
